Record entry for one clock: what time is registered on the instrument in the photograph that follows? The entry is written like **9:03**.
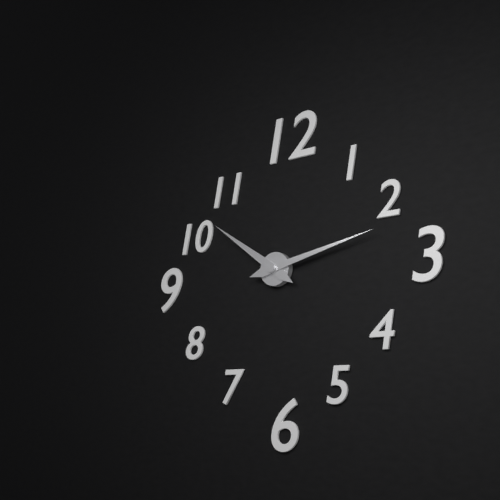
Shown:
**10:13**
